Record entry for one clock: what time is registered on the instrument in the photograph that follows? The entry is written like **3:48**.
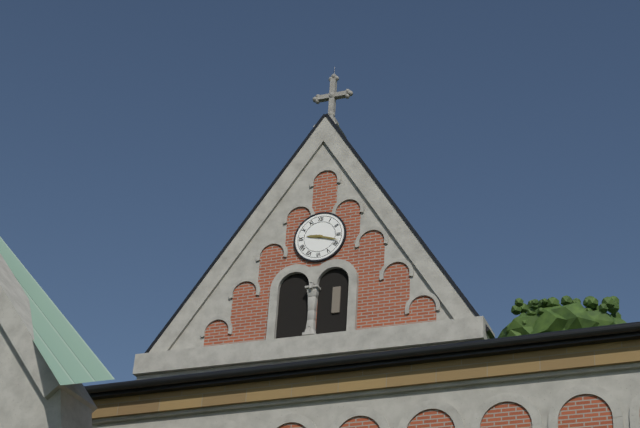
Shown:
**9:18**
